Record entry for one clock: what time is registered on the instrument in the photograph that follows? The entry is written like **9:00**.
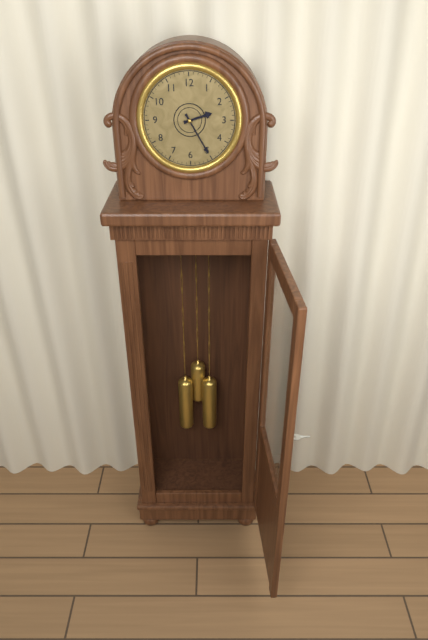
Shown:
**2:25**
